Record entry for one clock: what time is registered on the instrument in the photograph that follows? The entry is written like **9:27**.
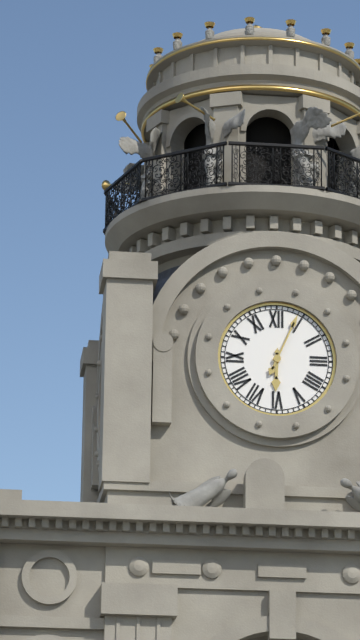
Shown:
**6:04**
